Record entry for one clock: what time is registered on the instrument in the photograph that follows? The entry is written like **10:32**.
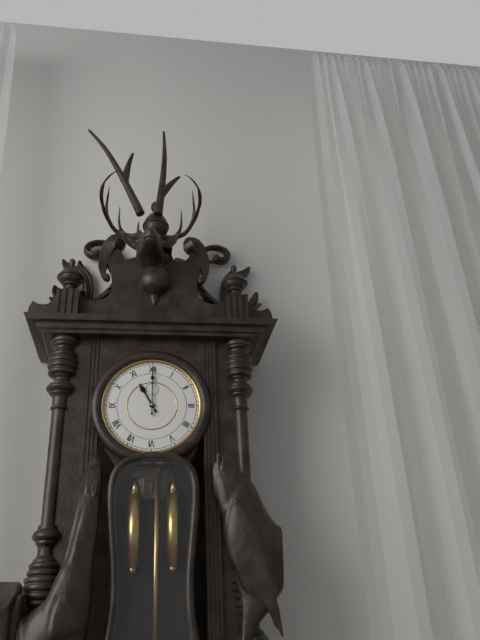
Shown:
**11:00**
